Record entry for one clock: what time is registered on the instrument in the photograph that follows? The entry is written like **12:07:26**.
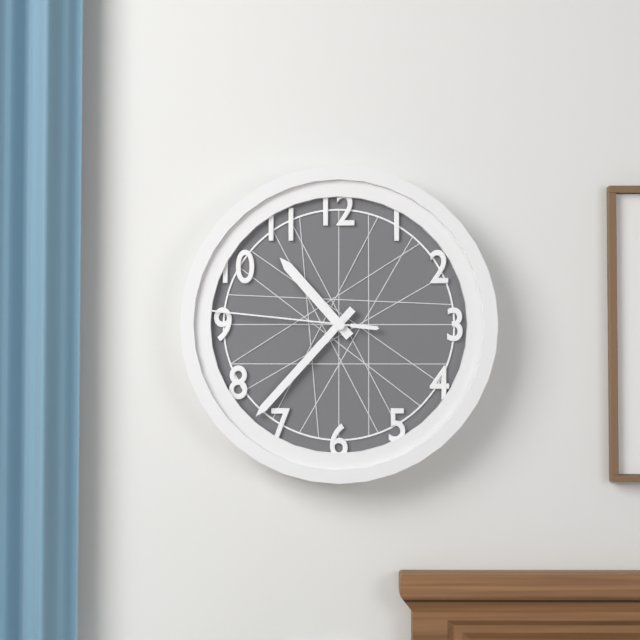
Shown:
**10:37:46**
